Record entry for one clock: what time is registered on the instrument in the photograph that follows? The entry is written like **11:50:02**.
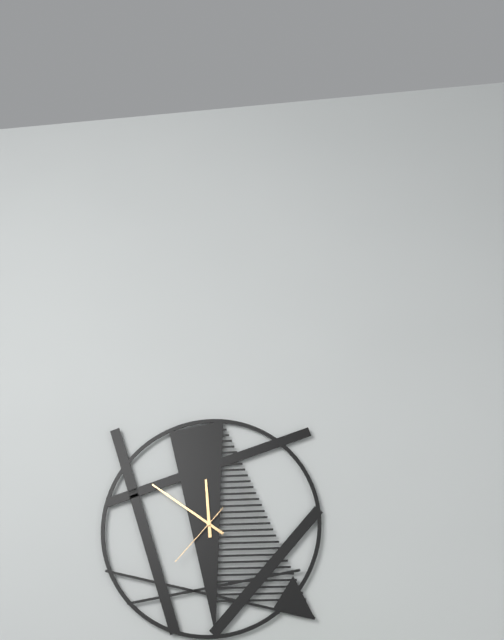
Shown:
**11:51:37**
